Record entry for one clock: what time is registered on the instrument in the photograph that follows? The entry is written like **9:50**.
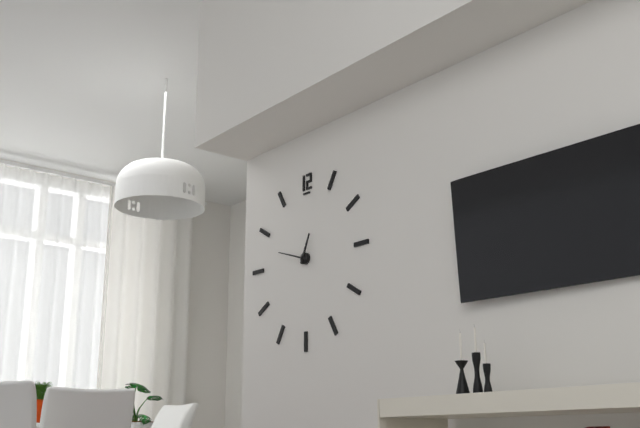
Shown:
**12:48**
